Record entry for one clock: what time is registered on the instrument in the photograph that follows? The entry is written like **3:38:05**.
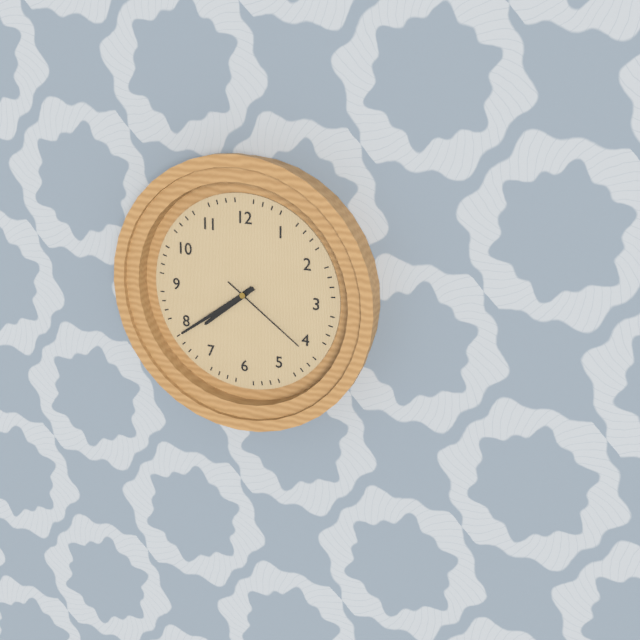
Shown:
**7:39:21**
